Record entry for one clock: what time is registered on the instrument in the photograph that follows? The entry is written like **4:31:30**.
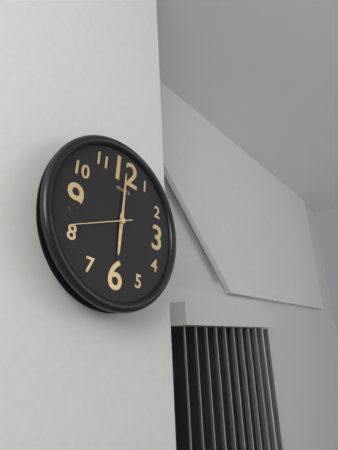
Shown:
**6:00:41**
